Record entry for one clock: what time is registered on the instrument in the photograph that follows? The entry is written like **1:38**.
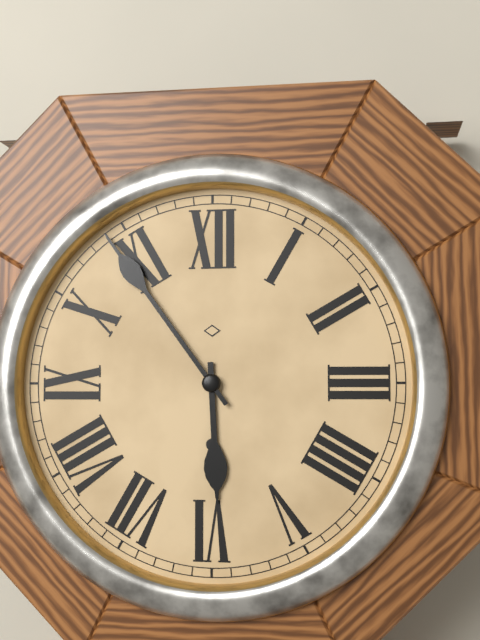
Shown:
**5:54**
